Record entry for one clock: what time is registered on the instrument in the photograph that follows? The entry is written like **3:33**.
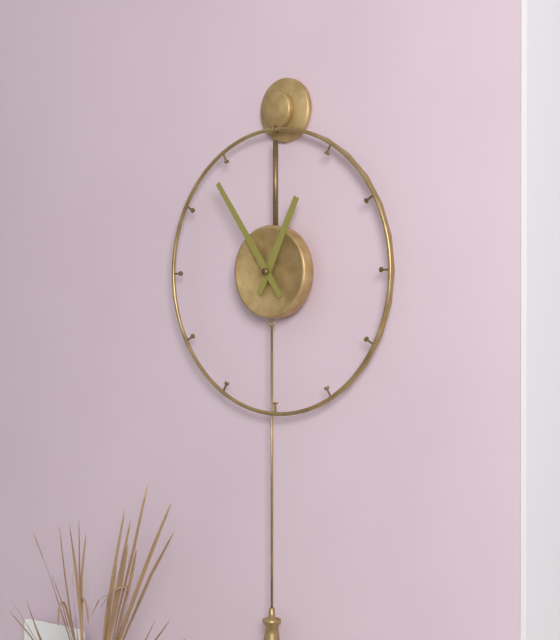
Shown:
**12:54**
